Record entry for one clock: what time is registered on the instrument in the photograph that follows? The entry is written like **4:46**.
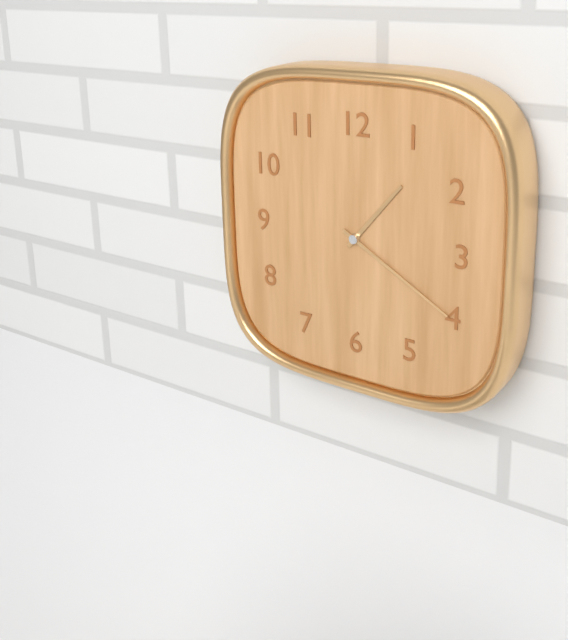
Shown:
**1:20**
